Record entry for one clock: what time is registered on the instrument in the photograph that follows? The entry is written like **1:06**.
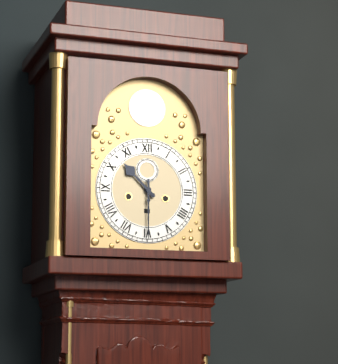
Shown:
**10:30**
